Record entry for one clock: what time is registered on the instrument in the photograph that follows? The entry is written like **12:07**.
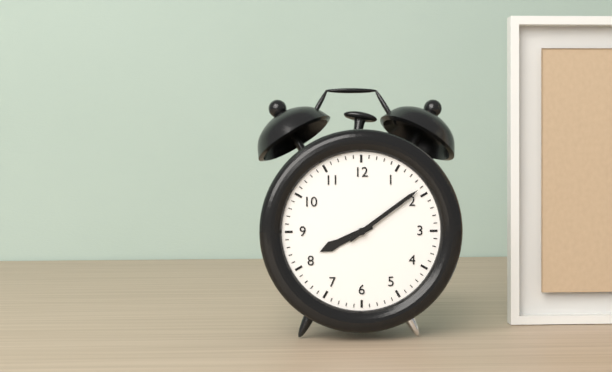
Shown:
**8:09**
